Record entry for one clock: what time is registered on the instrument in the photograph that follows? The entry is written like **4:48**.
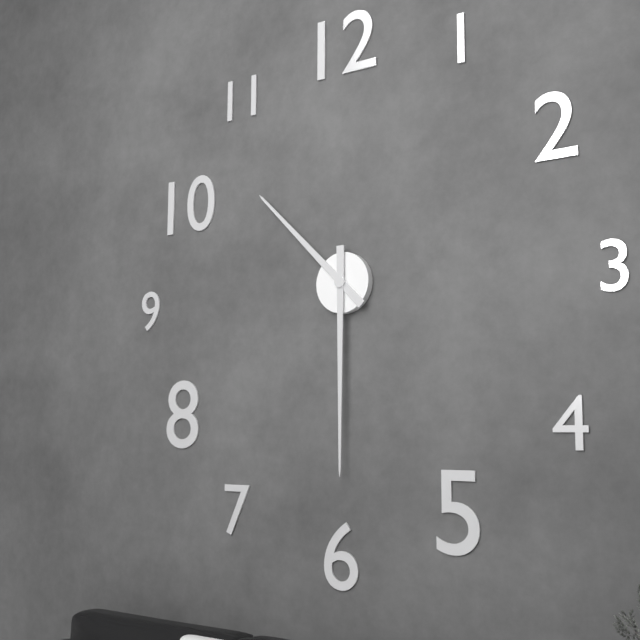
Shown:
**10:30**
